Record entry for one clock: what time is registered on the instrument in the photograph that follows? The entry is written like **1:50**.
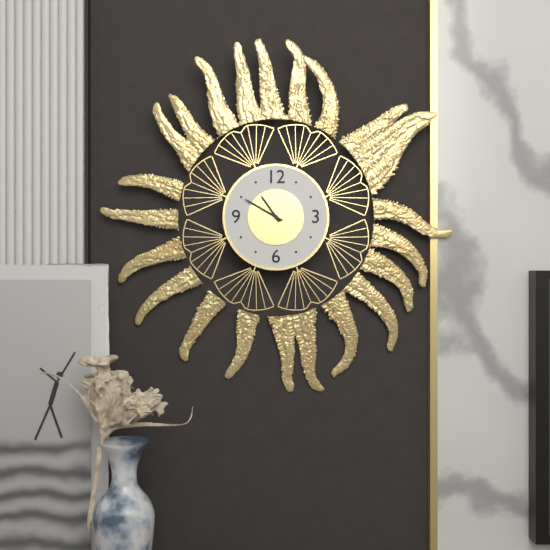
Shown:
**10:50**
